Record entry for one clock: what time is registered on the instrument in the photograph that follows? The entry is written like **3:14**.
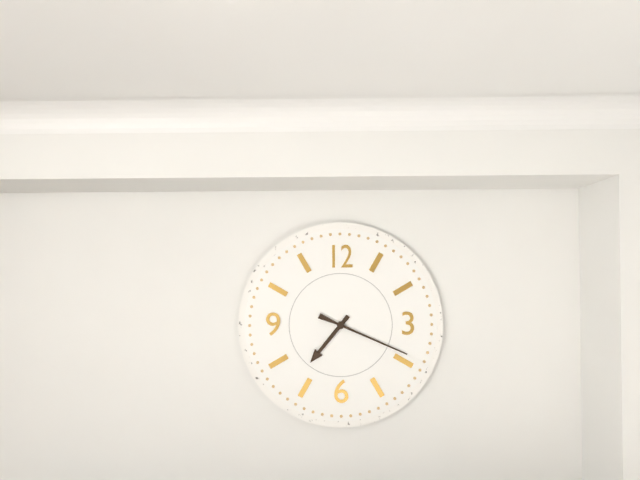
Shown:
**7:19**
